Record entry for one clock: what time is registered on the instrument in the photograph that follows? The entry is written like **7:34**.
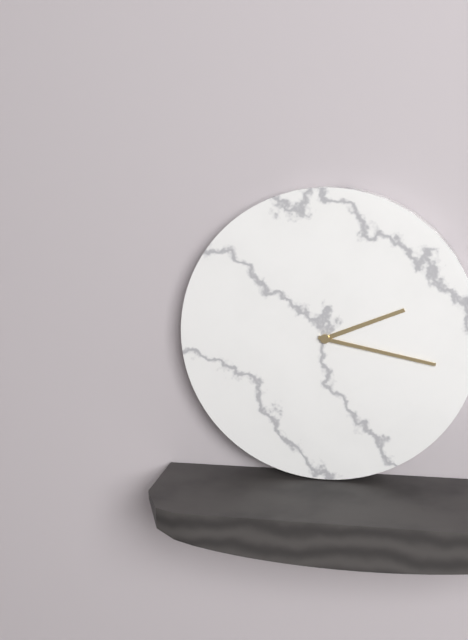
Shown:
**2:17**
